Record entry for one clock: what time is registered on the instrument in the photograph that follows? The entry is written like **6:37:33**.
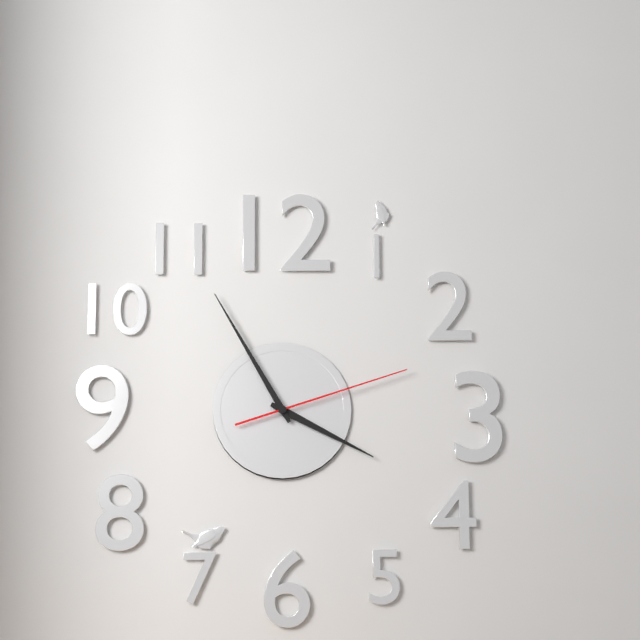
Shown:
**3:55:12**
